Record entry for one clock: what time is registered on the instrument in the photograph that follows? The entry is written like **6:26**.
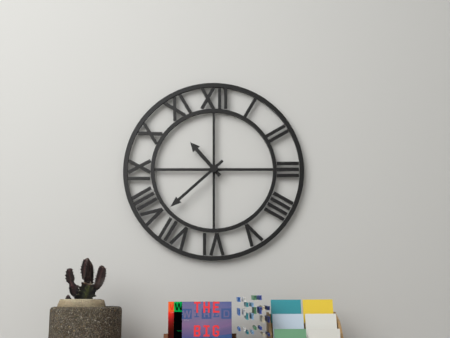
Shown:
**10:38**
